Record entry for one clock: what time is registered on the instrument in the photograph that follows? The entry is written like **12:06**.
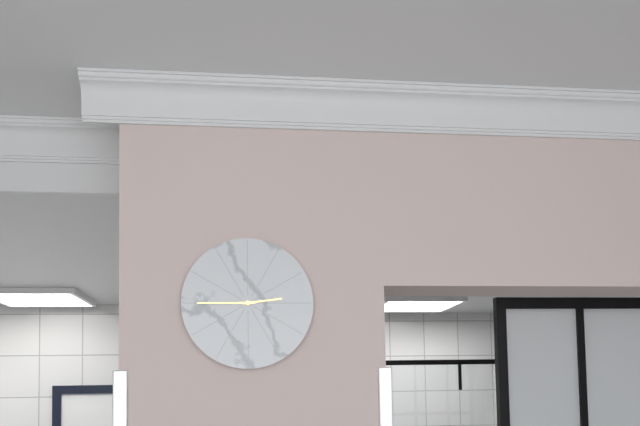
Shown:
**2:45**
